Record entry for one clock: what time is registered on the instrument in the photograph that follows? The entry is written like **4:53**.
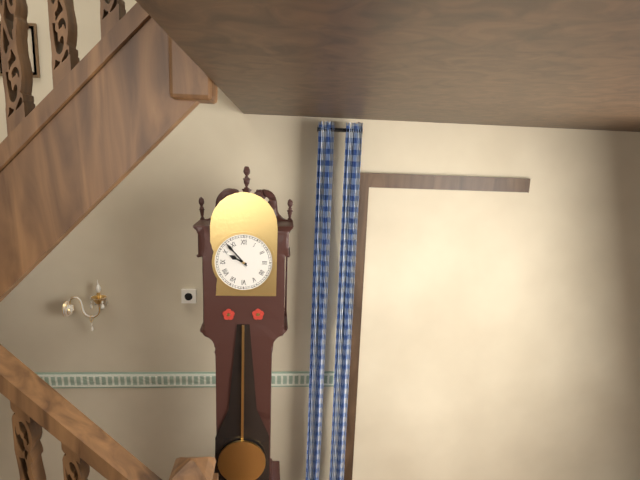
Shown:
**9:53**
